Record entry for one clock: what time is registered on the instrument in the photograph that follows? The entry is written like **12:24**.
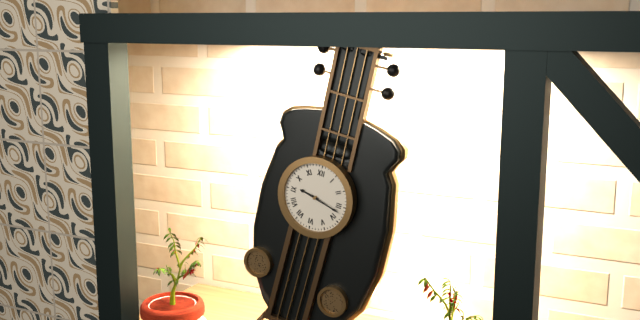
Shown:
**9:17**
